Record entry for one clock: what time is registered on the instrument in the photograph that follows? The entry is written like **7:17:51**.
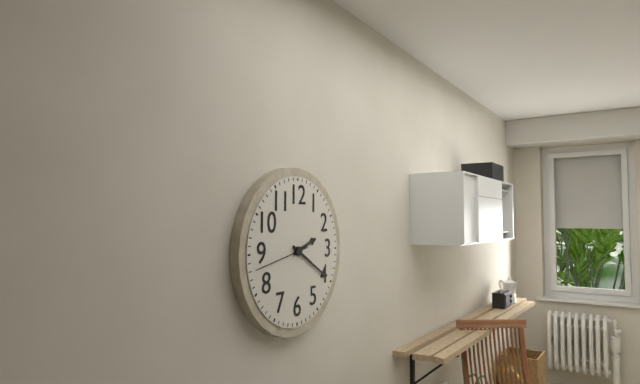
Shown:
**2:20:43**
